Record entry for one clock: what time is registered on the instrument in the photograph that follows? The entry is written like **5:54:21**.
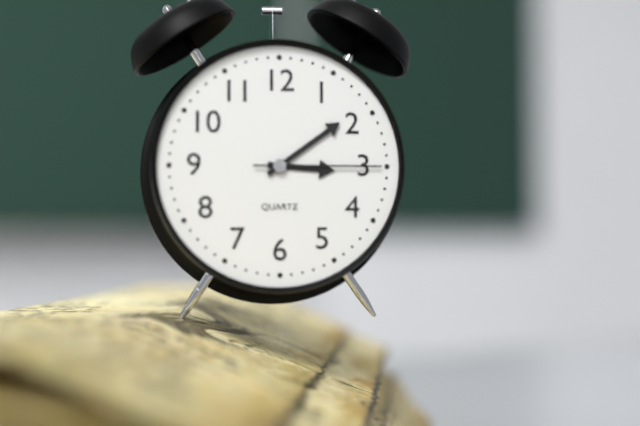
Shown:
**3:09:15**
